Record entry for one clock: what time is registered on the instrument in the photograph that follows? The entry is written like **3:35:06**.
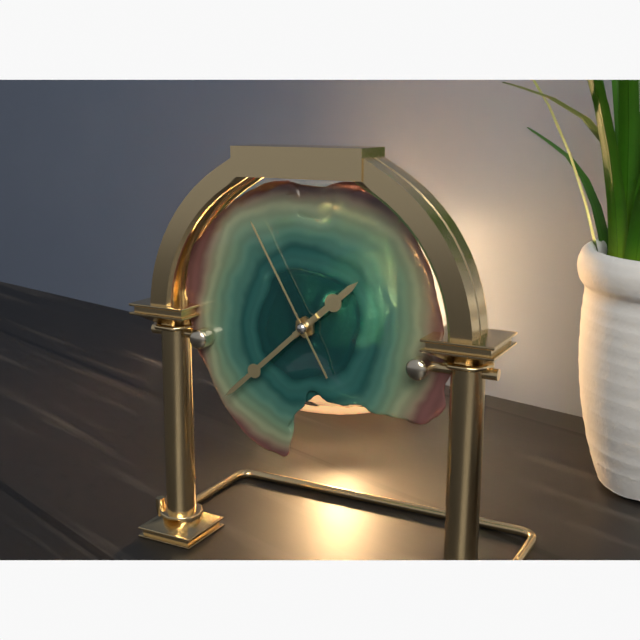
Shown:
**1:38:55**
